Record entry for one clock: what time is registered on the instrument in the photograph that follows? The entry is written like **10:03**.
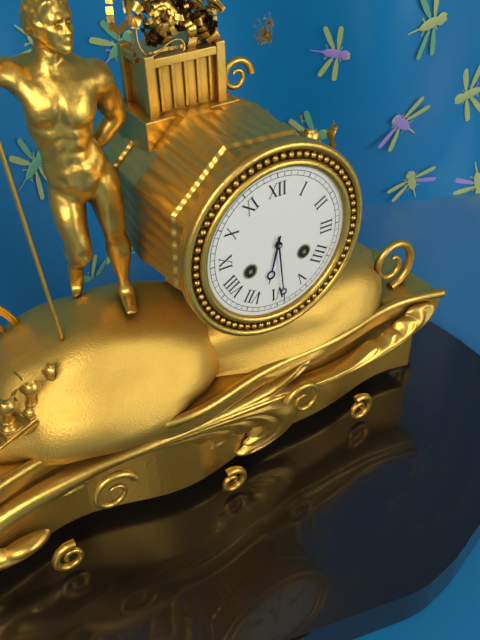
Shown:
**6:29**
